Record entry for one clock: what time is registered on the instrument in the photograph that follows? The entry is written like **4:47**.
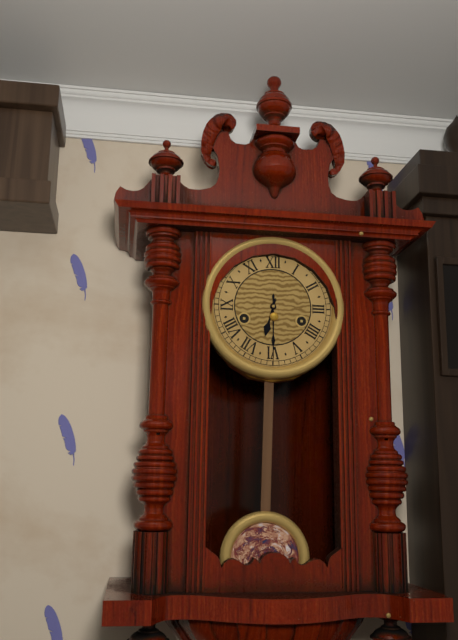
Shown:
**6:30**
